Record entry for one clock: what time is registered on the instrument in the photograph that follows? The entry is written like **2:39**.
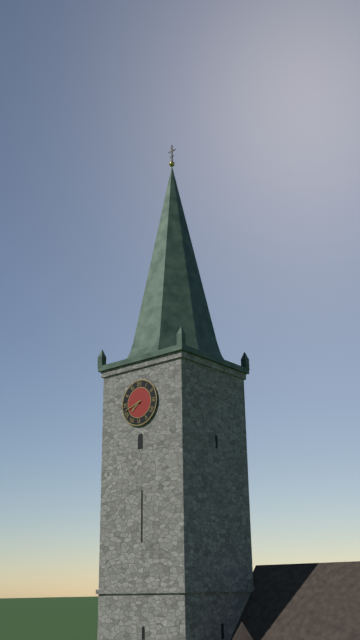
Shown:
**7:42**
